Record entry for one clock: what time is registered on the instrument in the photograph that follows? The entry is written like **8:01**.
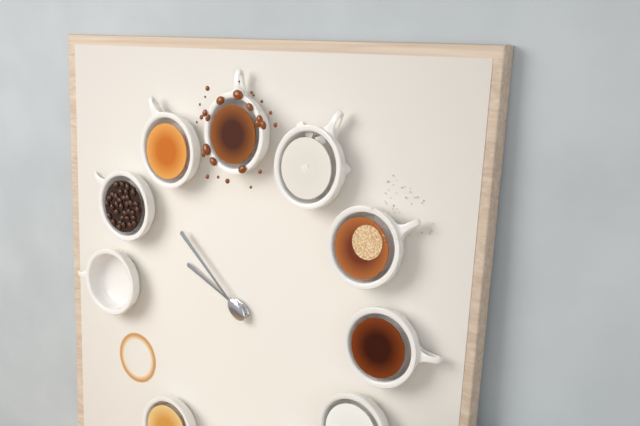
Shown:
**9:52**
